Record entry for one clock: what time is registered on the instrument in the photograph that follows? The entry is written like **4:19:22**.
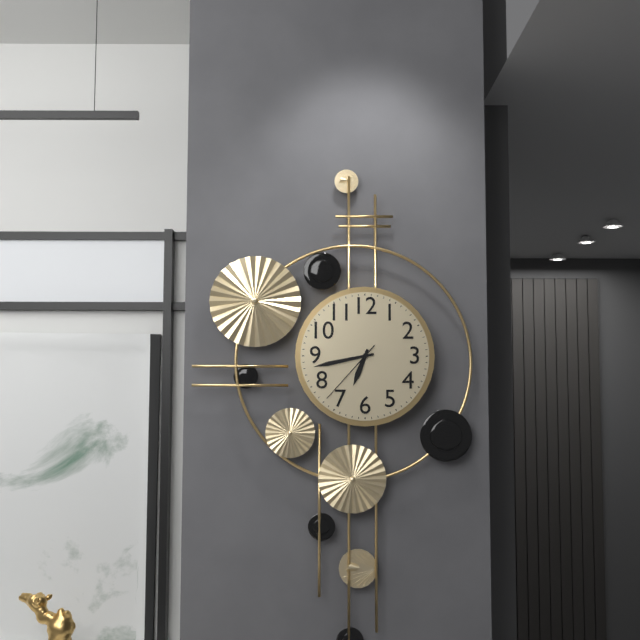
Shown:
**6:43:37**
